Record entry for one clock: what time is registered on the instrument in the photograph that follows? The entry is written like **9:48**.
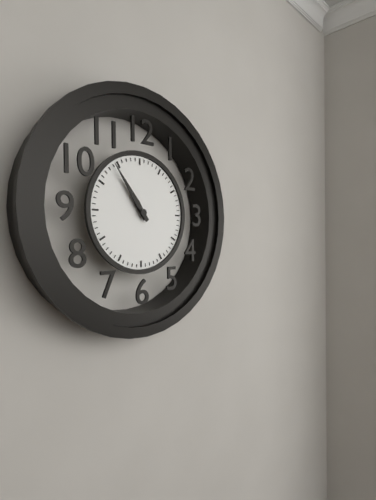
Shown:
**10:54**
